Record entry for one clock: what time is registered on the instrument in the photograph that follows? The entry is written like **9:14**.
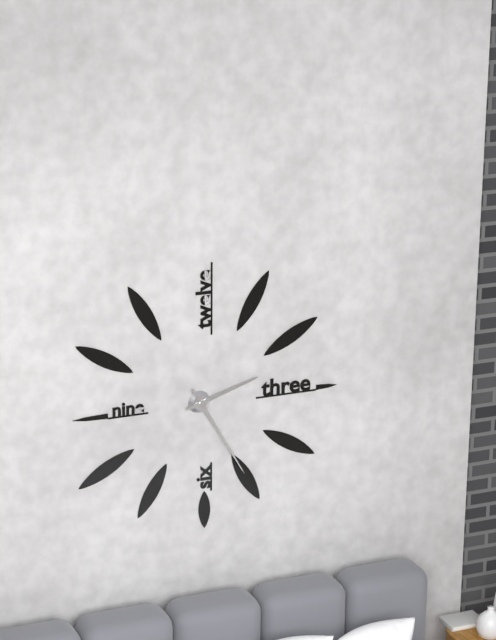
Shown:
**2:25**
